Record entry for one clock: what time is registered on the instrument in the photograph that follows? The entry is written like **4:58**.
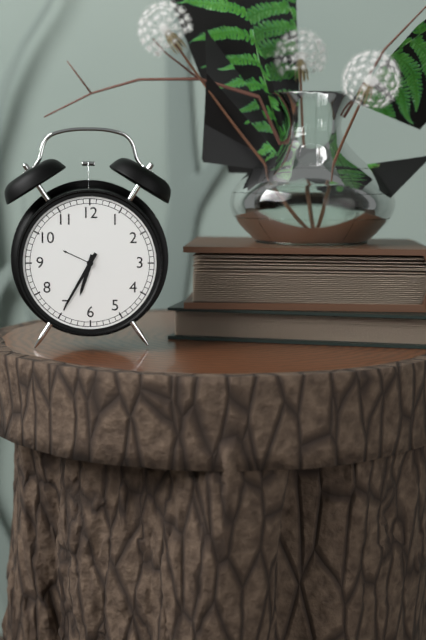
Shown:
**6:35**
